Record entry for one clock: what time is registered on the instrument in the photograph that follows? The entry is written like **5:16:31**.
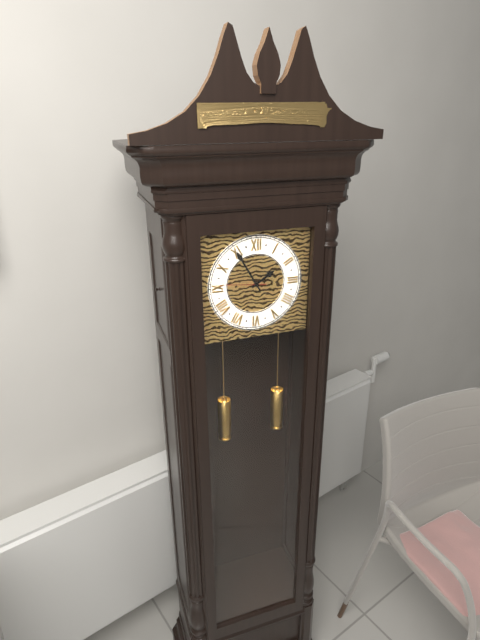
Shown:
**1:55:46**
